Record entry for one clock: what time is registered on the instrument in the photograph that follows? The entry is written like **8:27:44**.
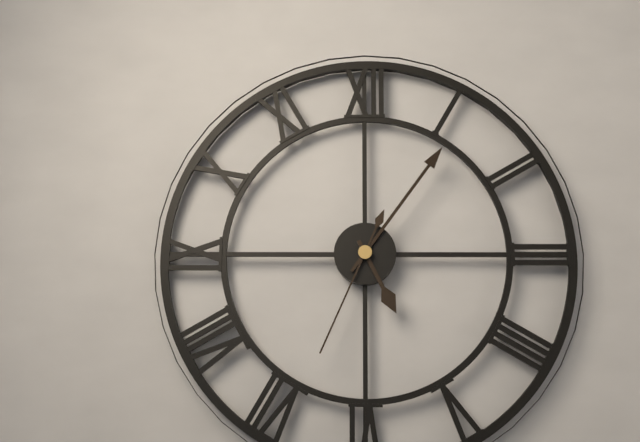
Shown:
**5:06:34**
